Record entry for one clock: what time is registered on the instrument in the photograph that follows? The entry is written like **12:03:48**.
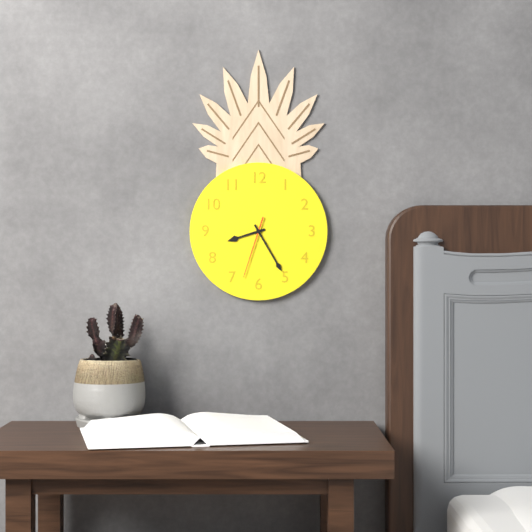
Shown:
**8:25:33**
